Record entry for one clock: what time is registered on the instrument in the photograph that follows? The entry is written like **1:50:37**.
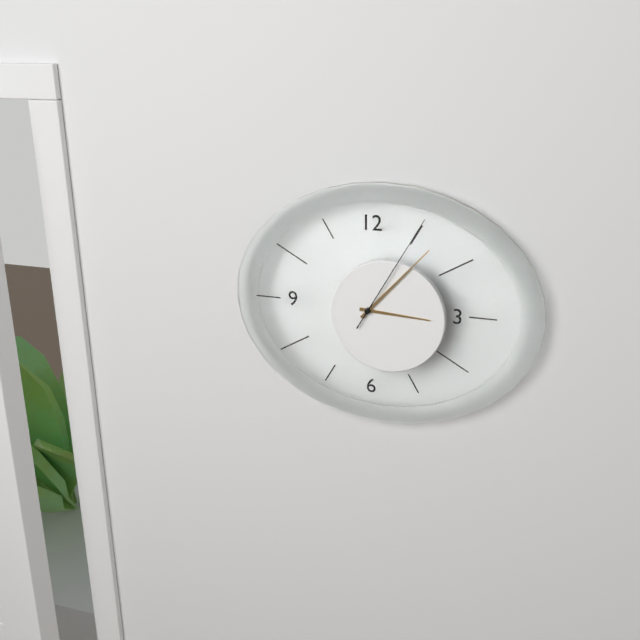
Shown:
**3:07:05**
